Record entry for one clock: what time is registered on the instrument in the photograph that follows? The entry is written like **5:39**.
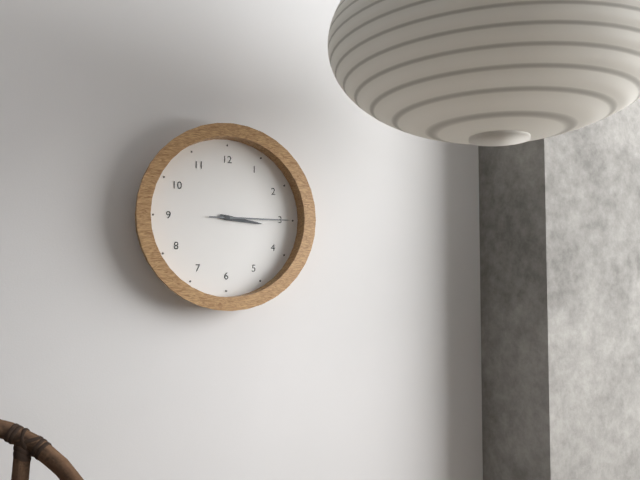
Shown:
**3:15**
